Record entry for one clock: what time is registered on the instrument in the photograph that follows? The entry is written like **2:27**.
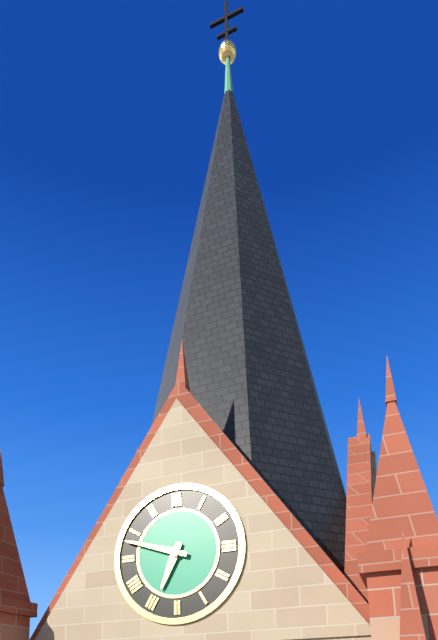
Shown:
**6:48**
